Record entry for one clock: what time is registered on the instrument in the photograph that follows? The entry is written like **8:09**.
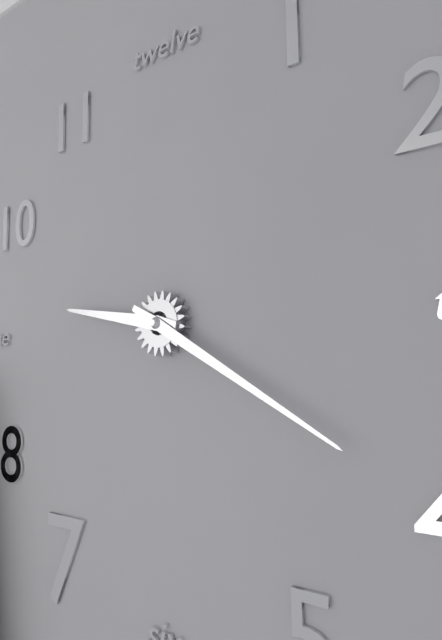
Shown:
**9:20**
